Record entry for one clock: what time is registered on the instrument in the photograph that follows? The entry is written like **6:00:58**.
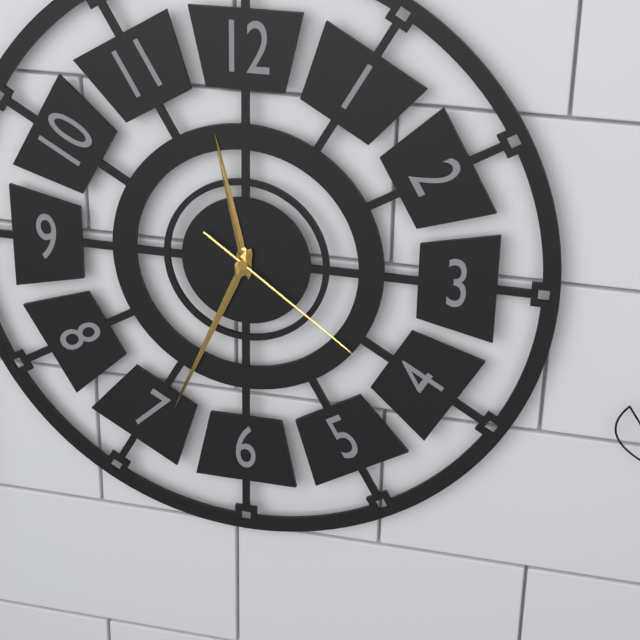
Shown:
**11:34:21**
